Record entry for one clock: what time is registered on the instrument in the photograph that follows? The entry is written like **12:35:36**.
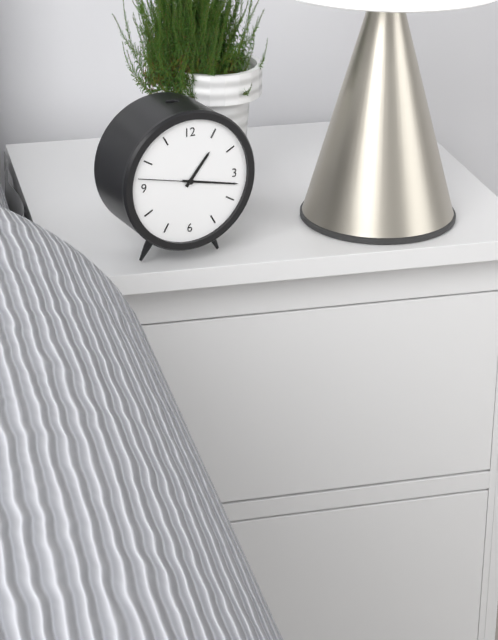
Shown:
**1:17:47**
